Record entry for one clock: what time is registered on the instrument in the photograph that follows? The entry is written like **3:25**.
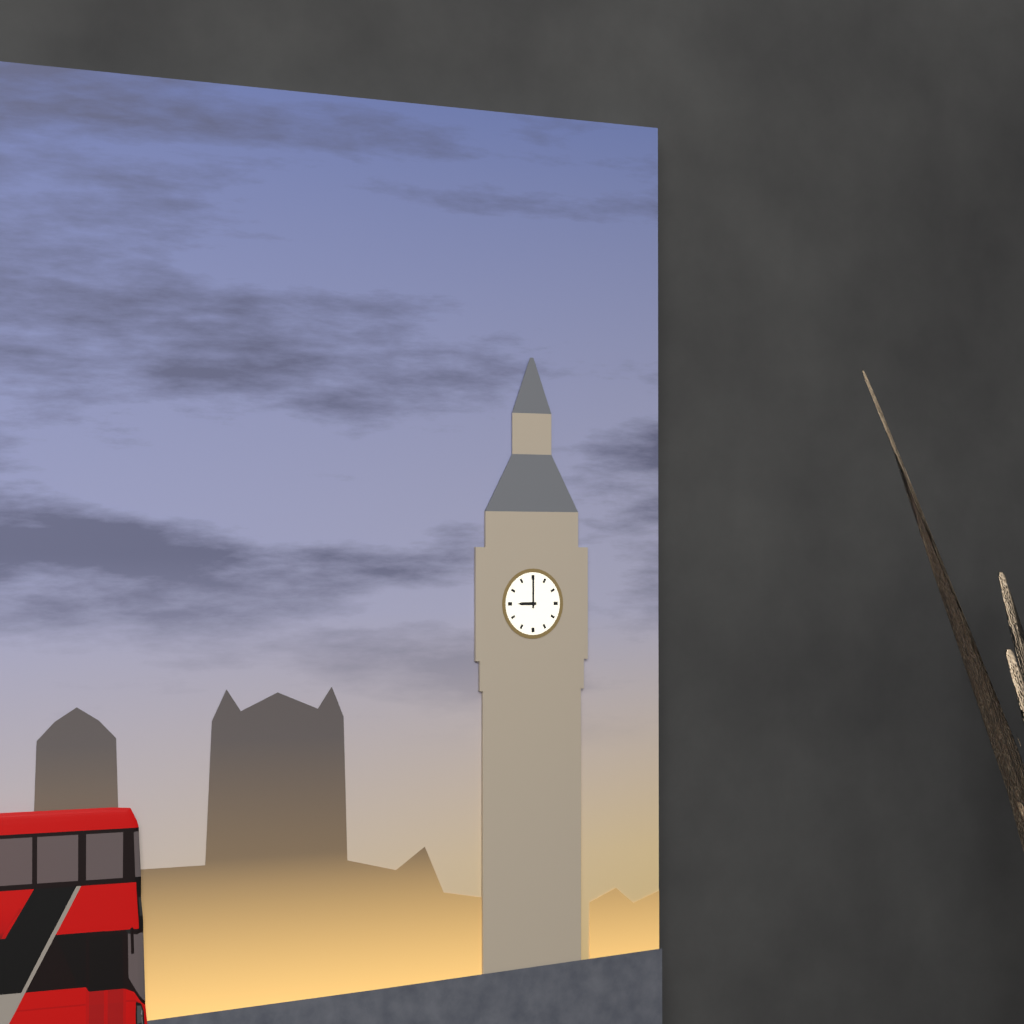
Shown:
**9:00**
